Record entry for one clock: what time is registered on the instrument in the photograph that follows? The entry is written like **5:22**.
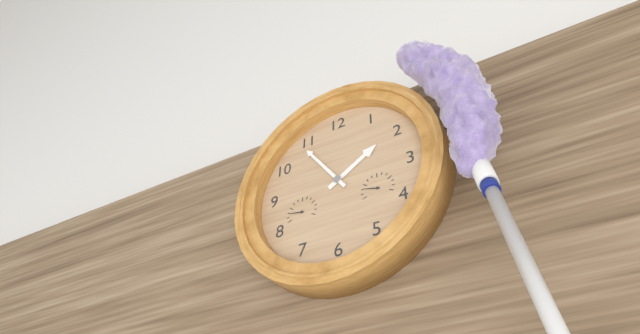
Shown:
**1:54**
